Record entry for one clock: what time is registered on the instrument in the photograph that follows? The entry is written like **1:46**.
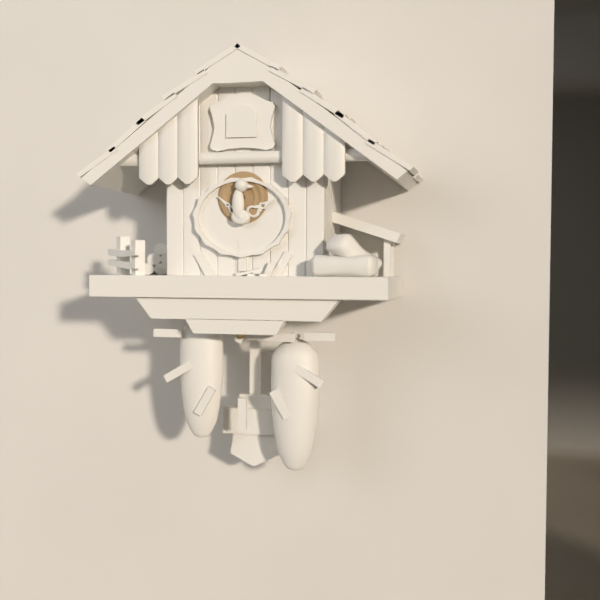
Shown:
**3:04**
